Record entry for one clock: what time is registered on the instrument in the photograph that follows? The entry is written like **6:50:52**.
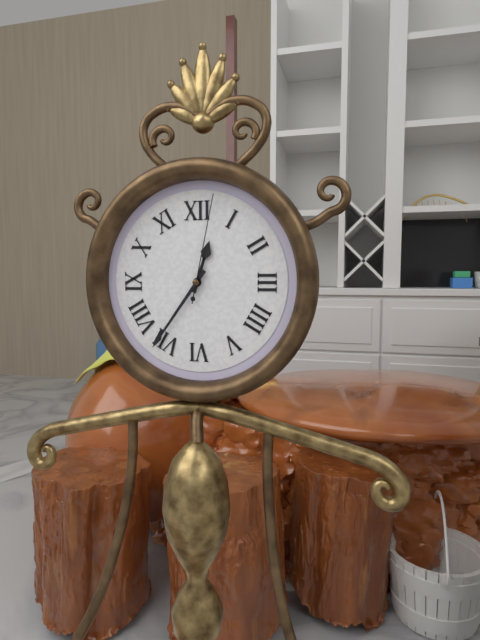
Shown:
**12:36:02**
